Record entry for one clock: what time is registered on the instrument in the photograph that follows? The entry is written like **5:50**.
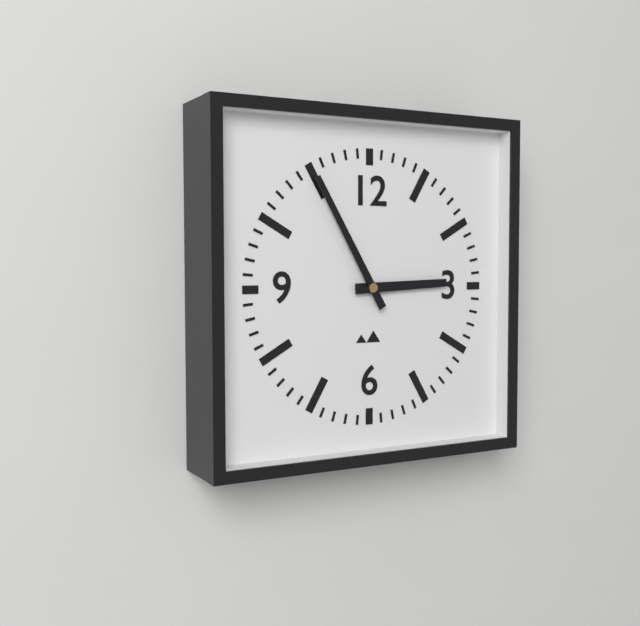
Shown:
**2:55**
